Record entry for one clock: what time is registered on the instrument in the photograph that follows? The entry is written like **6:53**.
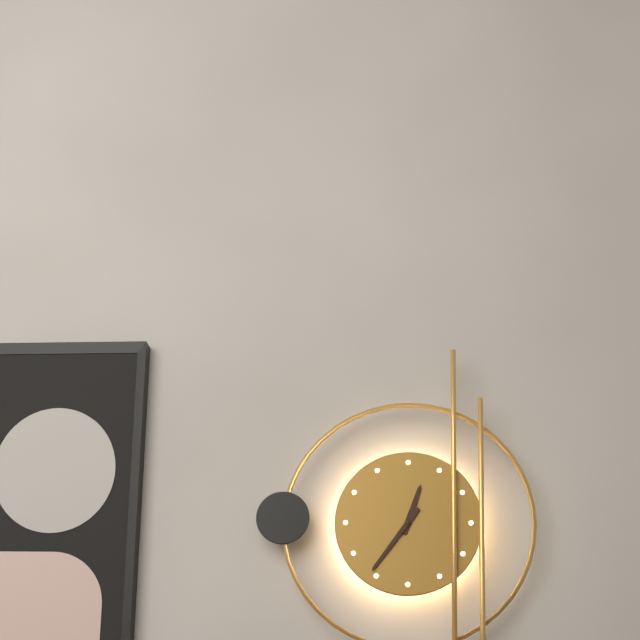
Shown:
**12:36**
